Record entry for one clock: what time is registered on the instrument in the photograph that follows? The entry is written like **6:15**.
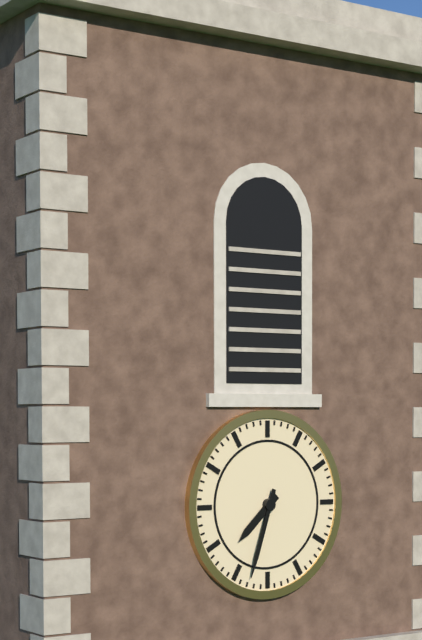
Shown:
**7:33**
